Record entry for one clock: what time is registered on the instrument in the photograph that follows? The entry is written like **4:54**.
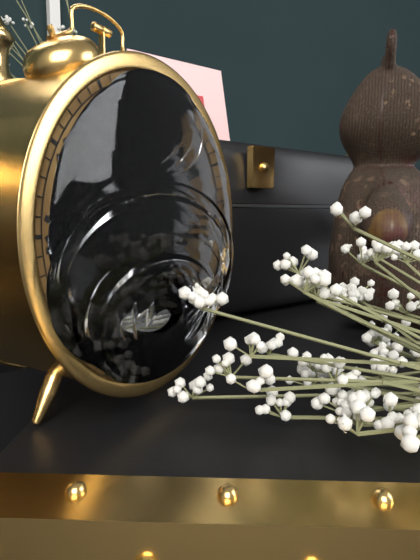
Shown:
**12:10**
